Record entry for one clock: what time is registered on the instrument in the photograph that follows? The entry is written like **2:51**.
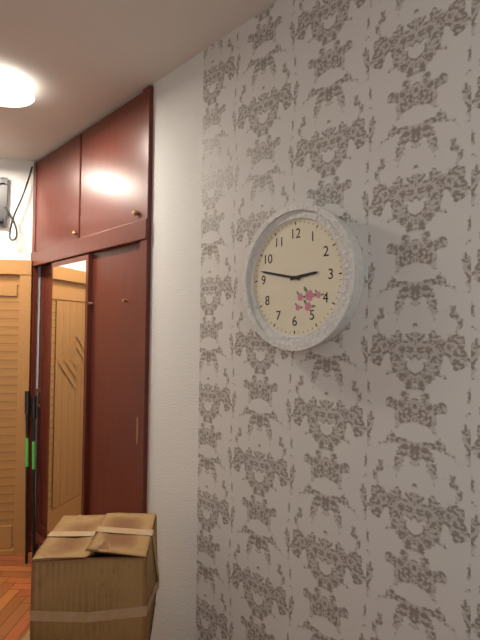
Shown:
**2:47**
